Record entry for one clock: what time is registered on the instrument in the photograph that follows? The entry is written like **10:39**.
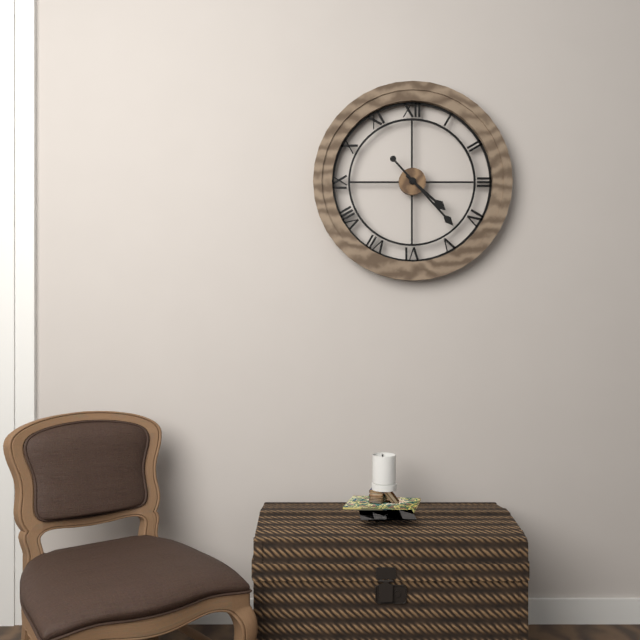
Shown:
**4:23**
